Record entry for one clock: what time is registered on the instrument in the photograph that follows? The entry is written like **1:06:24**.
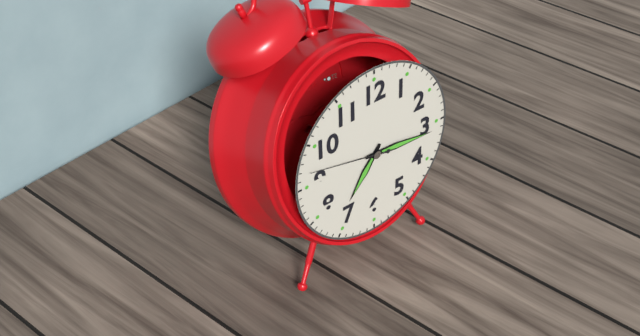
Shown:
**7:16:47**
